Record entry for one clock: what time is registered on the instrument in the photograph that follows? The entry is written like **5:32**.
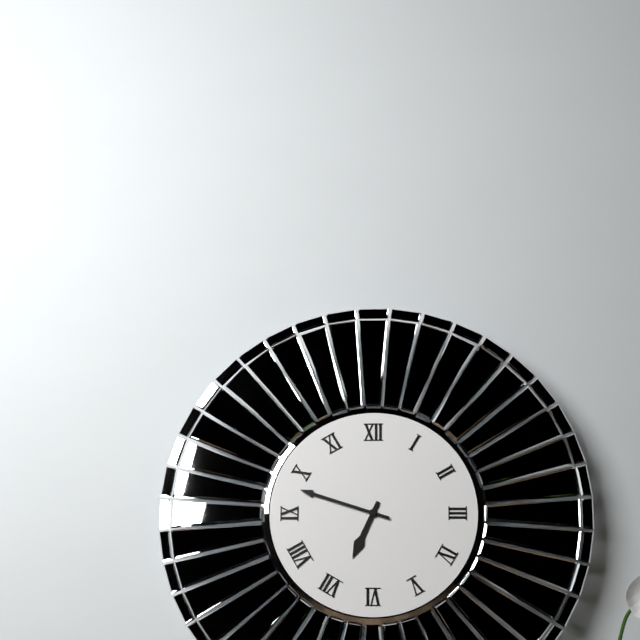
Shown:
**6:48**
